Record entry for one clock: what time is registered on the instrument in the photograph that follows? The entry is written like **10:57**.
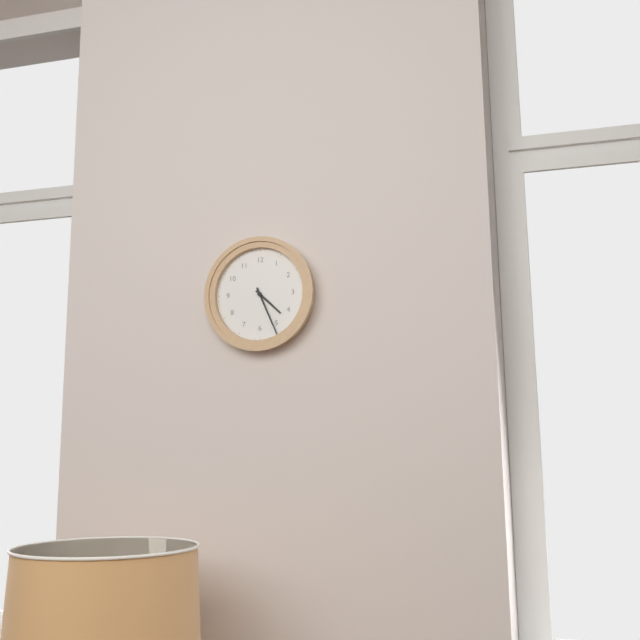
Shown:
**4:26**
